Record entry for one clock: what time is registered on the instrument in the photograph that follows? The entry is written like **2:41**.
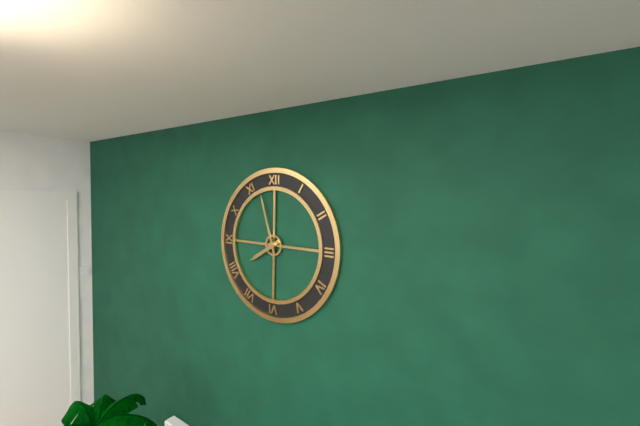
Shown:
**7:57**
